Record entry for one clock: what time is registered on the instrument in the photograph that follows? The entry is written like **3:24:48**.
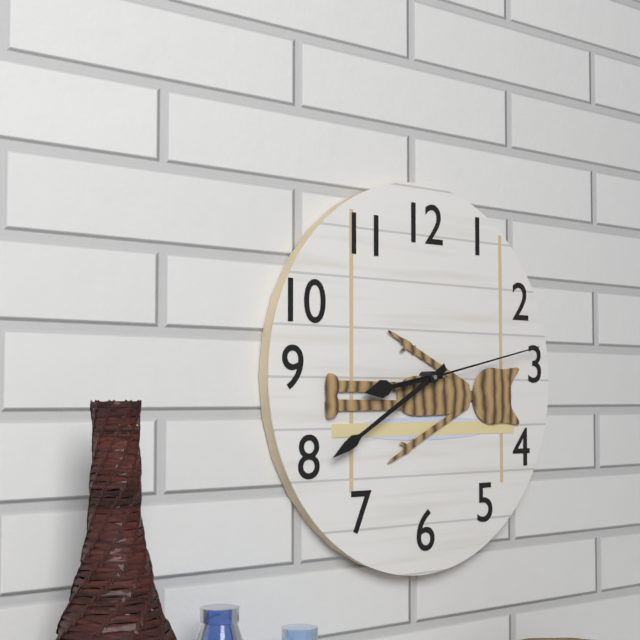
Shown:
**8:40:13**
